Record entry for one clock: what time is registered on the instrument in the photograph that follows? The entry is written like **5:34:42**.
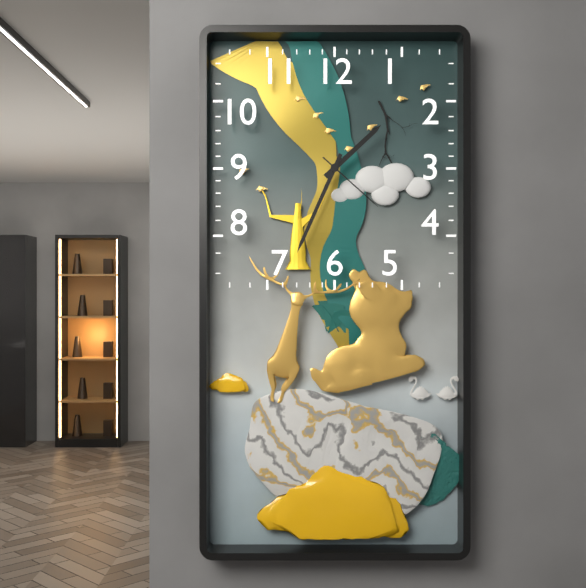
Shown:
**1:34:22**
